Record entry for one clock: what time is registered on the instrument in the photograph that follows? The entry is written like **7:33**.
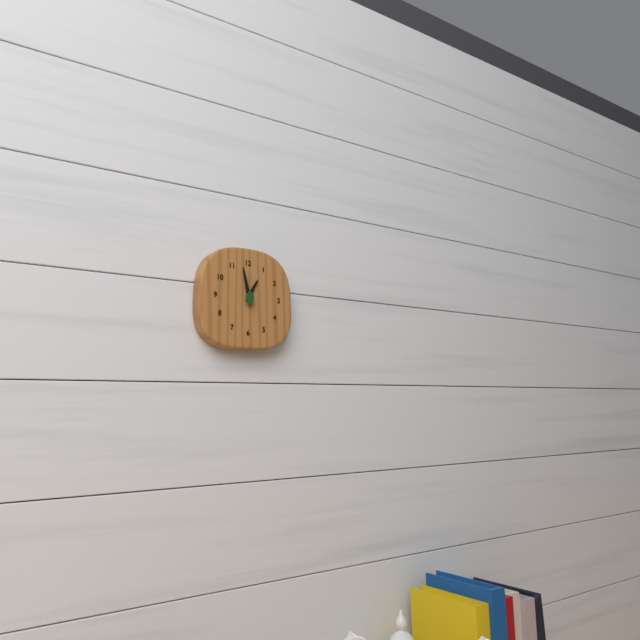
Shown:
**12:58**
